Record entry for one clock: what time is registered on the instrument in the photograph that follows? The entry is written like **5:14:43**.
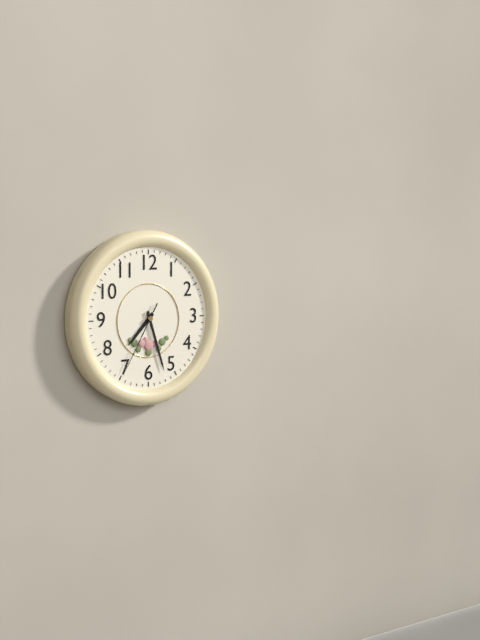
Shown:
**7:27:35**
